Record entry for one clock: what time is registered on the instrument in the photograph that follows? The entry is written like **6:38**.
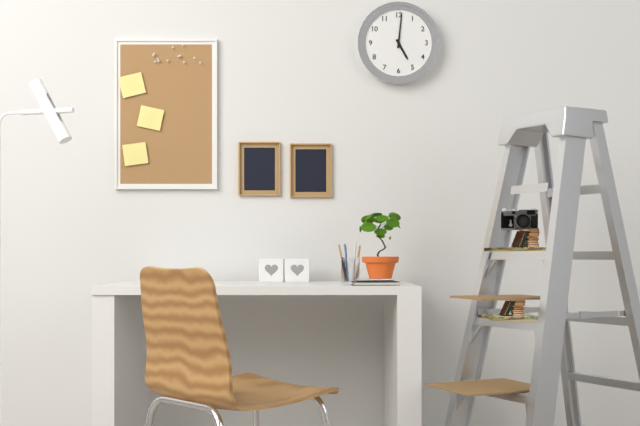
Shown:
**5:01**
